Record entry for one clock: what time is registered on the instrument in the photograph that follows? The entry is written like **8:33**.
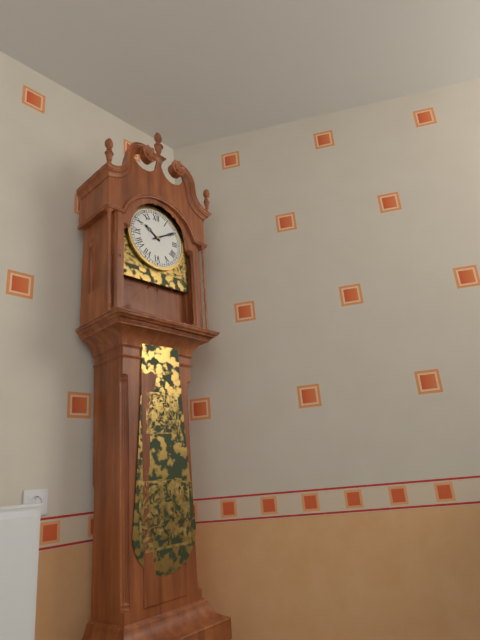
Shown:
**10:10**
